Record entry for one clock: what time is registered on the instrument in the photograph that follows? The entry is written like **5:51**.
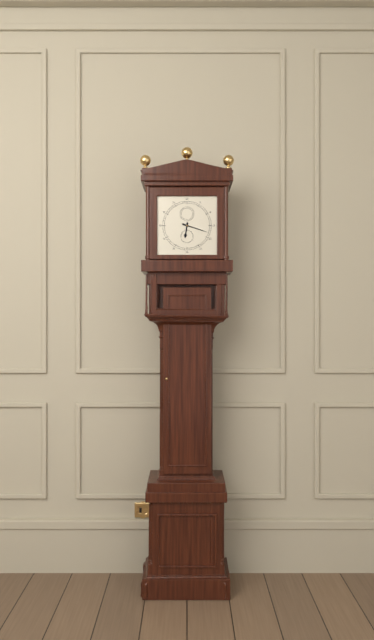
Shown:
**6:18**
